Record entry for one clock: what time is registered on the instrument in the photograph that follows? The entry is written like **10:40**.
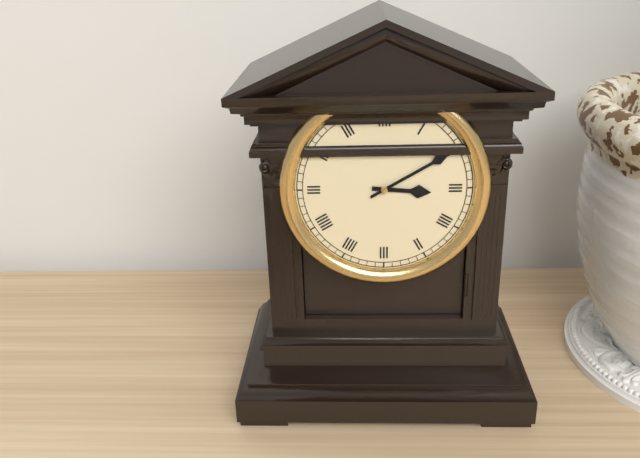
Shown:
**3:10**
